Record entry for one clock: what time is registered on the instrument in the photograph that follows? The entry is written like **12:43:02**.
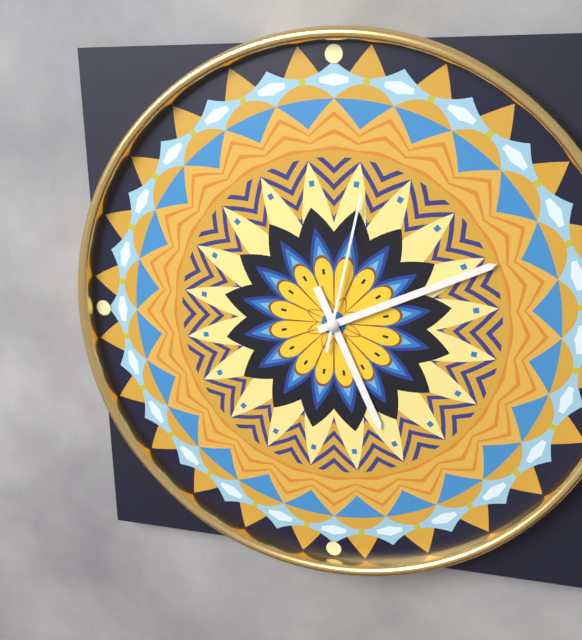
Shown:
**5:11:02**
